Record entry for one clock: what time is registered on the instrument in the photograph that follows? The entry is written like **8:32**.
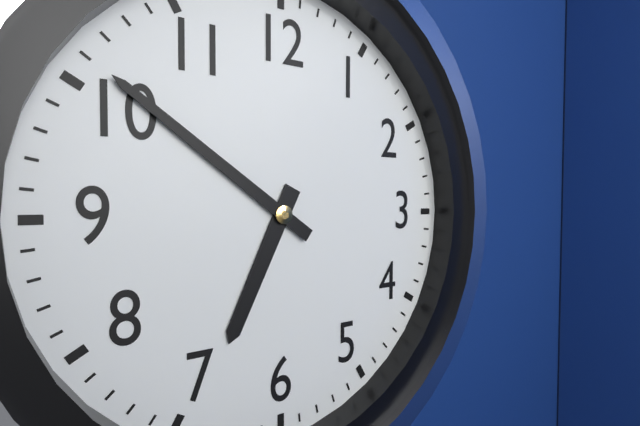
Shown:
**6:51**
